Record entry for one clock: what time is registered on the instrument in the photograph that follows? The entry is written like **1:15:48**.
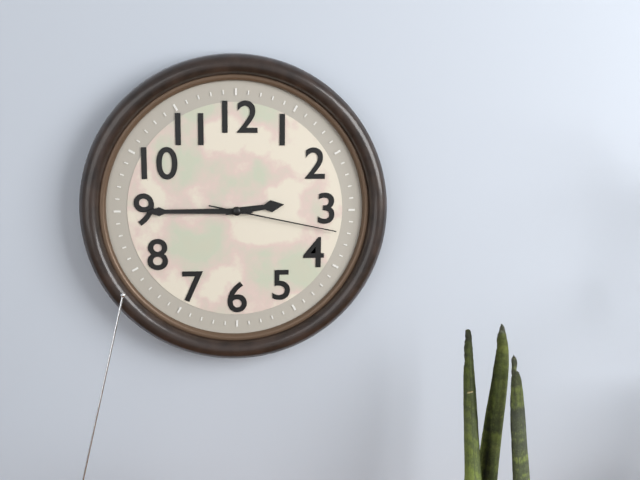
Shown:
**2:45:17**
